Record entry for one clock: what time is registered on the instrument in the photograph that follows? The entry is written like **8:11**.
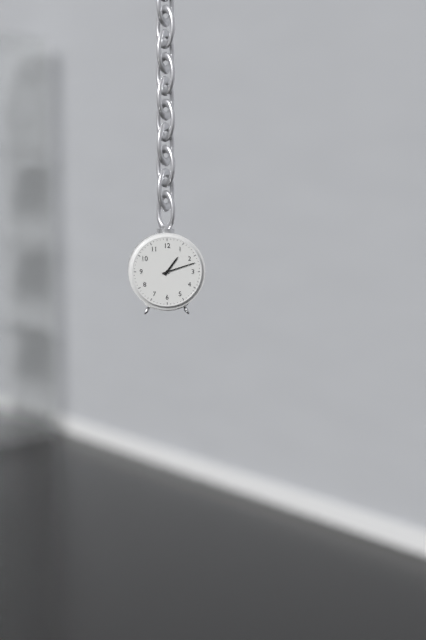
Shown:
**1:12**
